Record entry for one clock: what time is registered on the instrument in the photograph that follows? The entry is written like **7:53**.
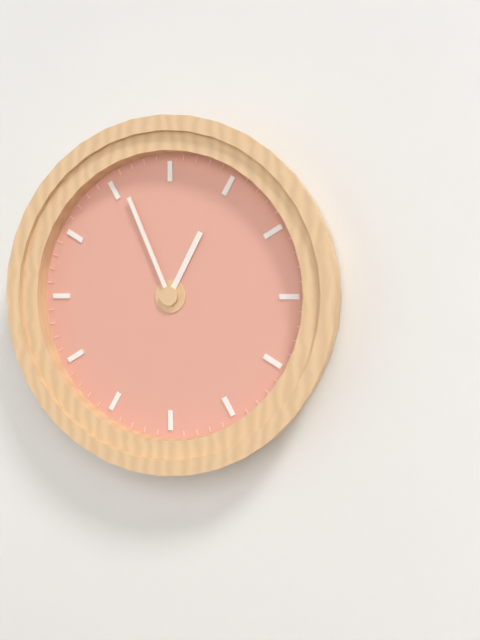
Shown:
**12:56**
